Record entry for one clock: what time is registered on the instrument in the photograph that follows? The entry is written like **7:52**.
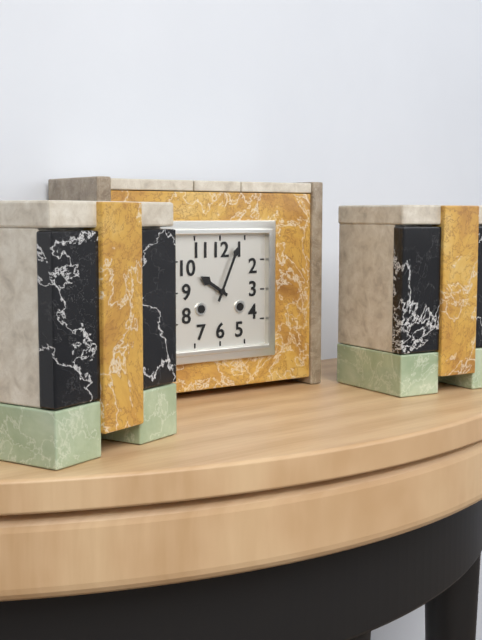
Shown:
**10:04**
